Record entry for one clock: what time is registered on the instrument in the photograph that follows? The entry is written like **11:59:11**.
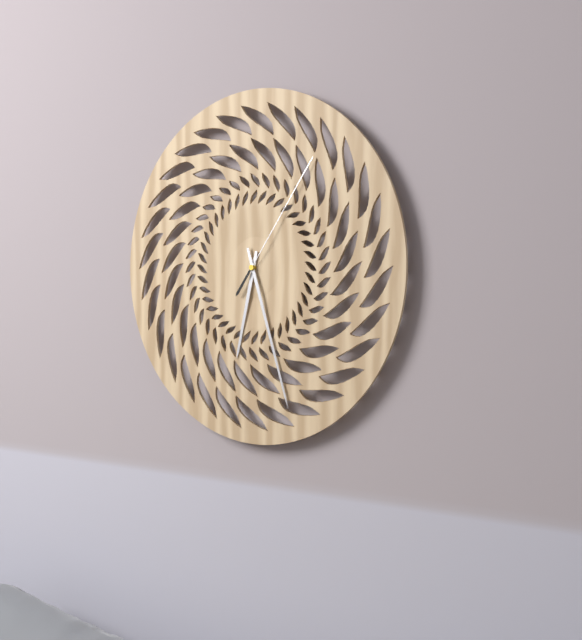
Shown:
**6:27:06**
